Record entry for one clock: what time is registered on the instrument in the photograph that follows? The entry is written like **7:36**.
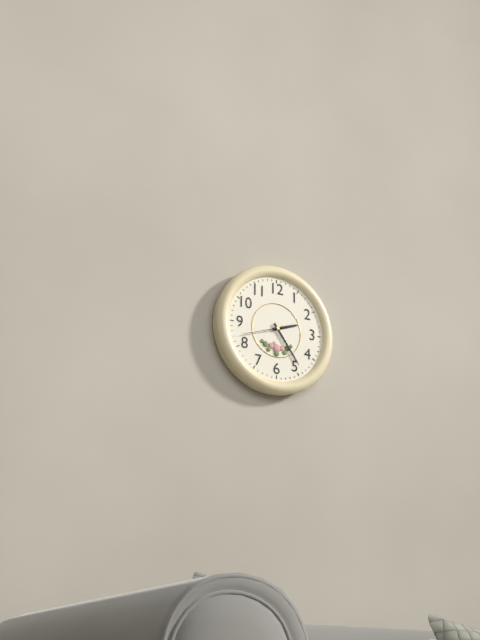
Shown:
**2:24**
